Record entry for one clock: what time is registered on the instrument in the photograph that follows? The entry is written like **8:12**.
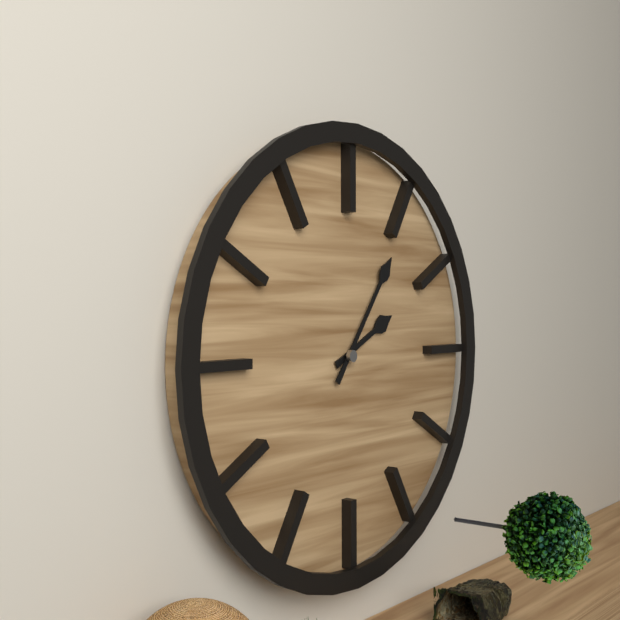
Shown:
**2:06**
